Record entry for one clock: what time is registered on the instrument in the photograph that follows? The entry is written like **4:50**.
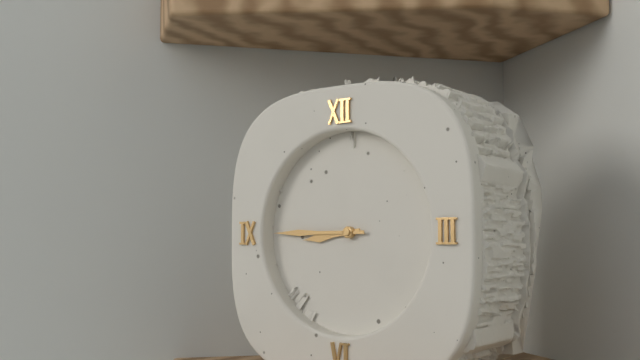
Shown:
**8:45**
